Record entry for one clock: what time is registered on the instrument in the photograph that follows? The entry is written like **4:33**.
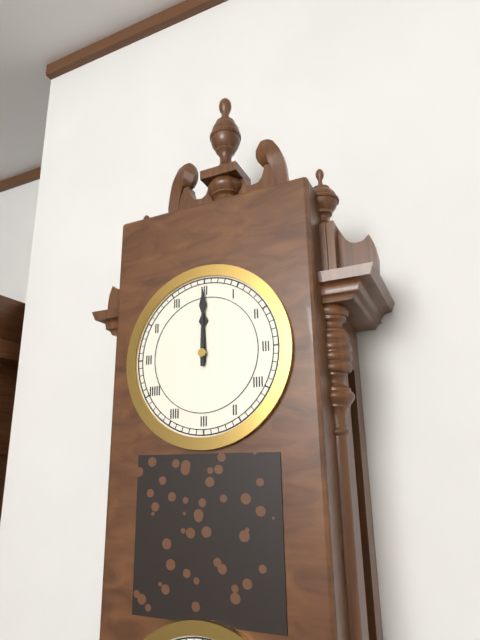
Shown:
**12:00**
